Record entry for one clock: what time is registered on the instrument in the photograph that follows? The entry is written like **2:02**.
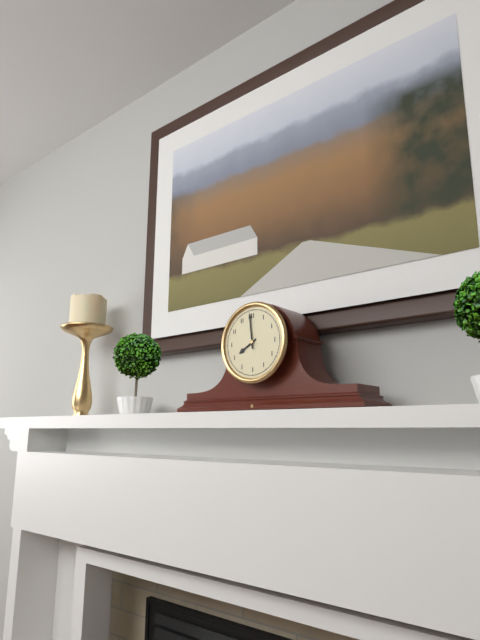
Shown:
**7:59**
